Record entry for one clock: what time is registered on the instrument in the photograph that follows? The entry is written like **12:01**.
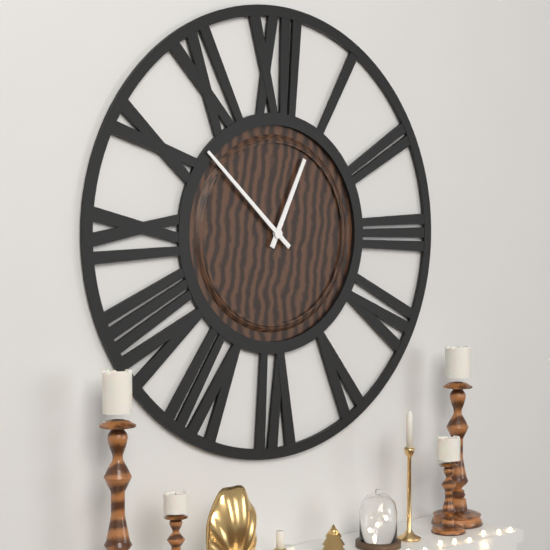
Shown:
**12:52**
